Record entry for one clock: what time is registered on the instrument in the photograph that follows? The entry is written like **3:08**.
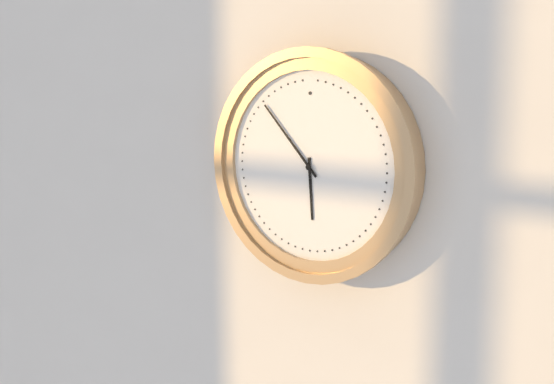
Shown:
**5:53**
